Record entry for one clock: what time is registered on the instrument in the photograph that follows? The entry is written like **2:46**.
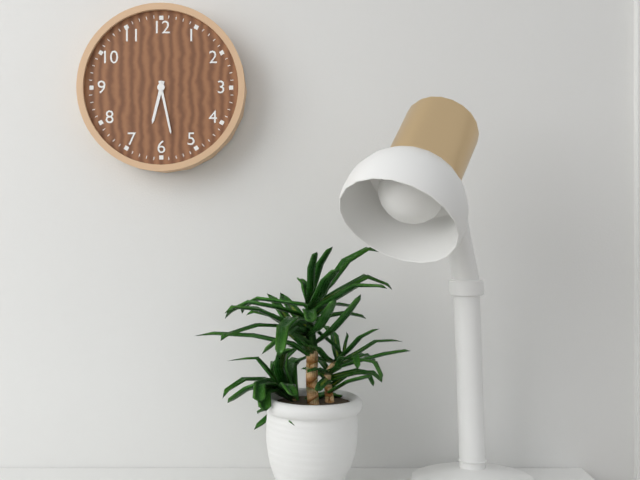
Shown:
**6:28**
